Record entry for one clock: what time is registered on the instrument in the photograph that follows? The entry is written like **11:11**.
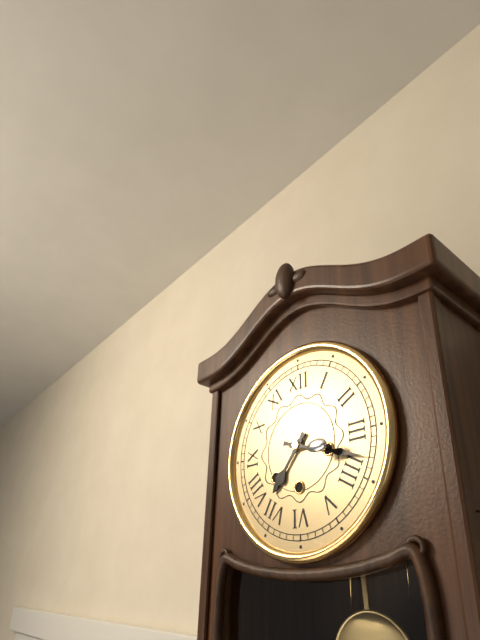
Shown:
**7:18**
